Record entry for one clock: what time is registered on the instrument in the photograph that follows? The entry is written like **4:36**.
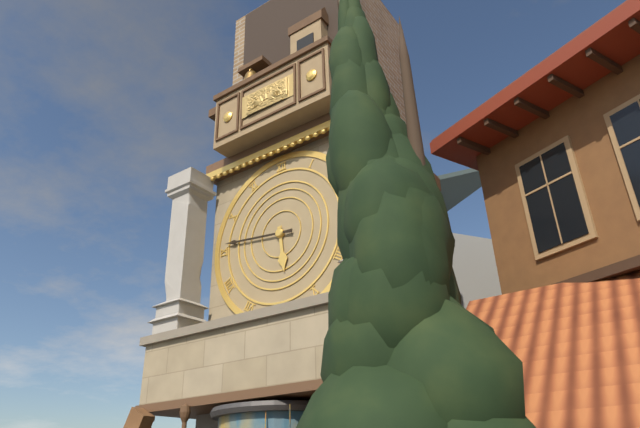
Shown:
**5:46**
